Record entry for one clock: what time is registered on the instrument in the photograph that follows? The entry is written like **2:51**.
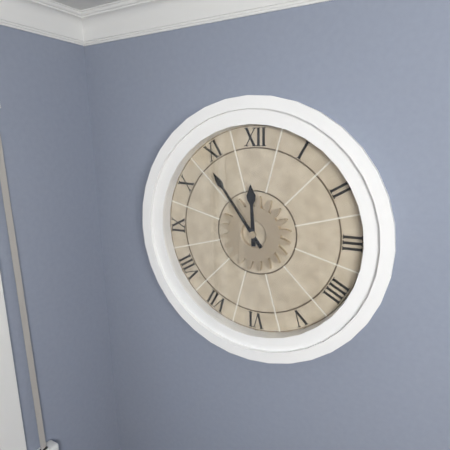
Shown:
**11:54**
